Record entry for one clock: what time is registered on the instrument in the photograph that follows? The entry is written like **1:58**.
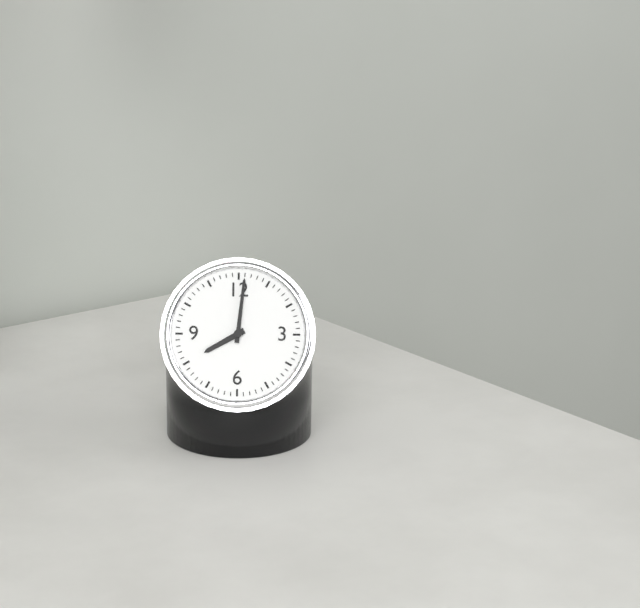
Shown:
**8:01**
